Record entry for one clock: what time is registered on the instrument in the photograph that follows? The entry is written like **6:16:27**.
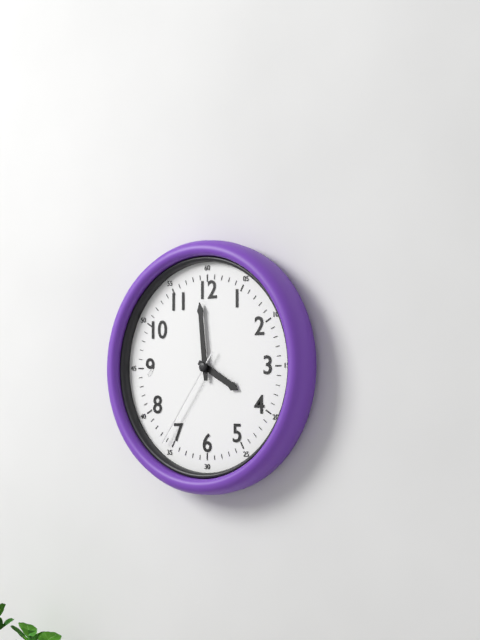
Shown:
**3:59:36**
